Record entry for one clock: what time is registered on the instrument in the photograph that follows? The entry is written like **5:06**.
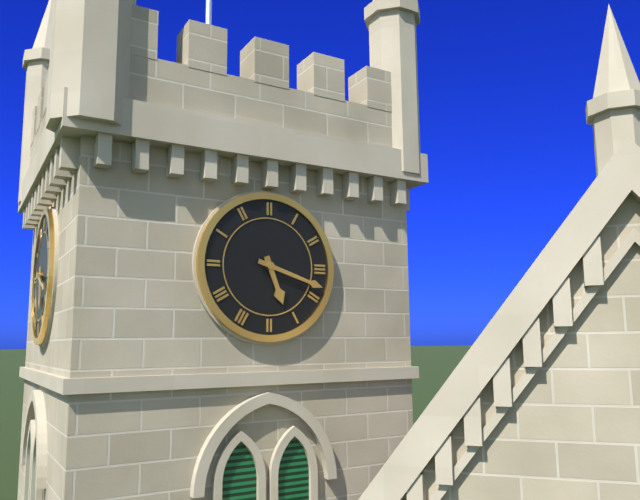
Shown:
**5:18**
